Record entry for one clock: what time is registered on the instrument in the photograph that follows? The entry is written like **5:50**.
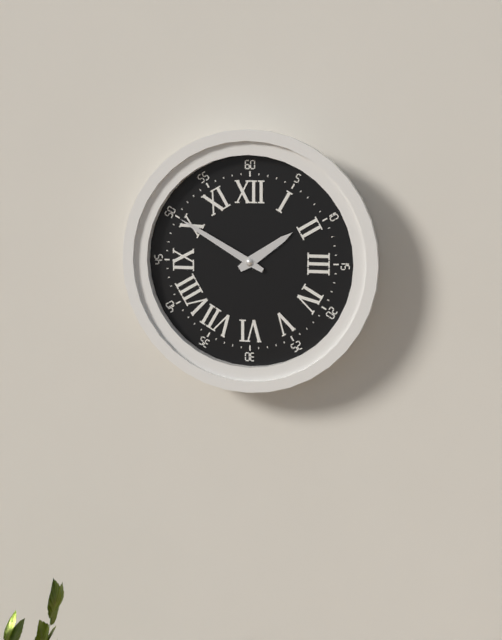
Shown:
**1:50**
